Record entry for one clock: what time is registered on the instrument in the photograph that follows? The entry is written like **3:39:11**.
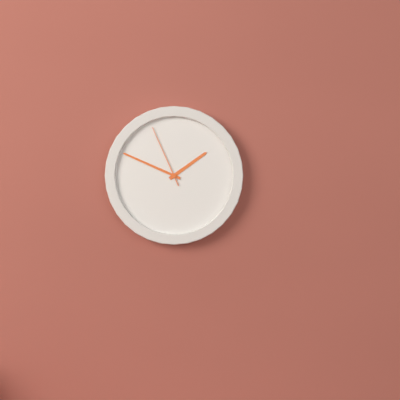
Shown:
**1:49:56**
